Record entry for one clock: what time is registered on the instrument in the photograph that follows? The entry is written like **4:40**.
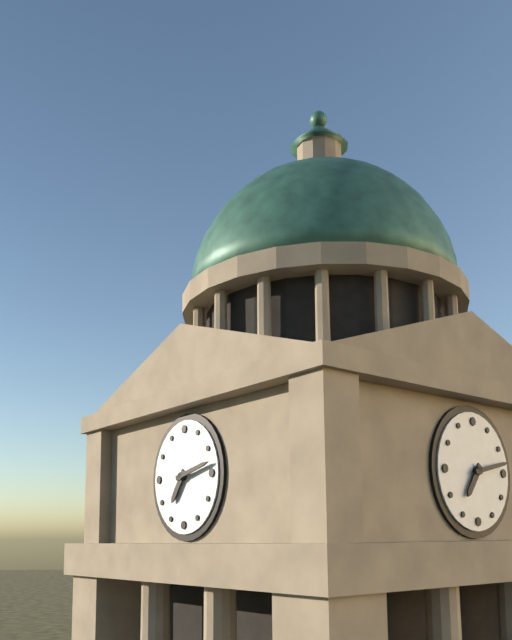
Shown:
**7:13**
